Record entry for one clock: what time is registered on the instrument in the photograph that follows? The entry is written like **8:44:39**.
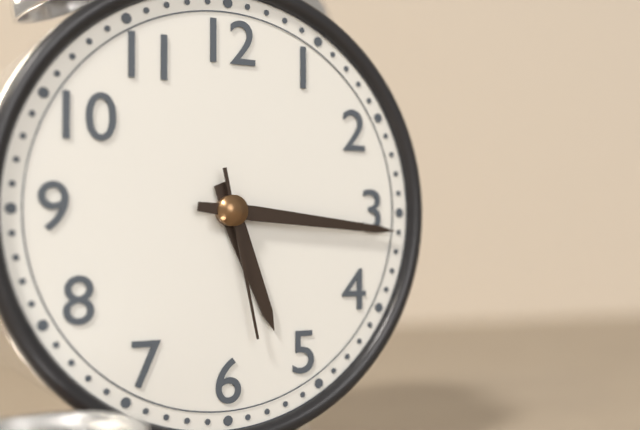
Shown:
**5:16:28**
